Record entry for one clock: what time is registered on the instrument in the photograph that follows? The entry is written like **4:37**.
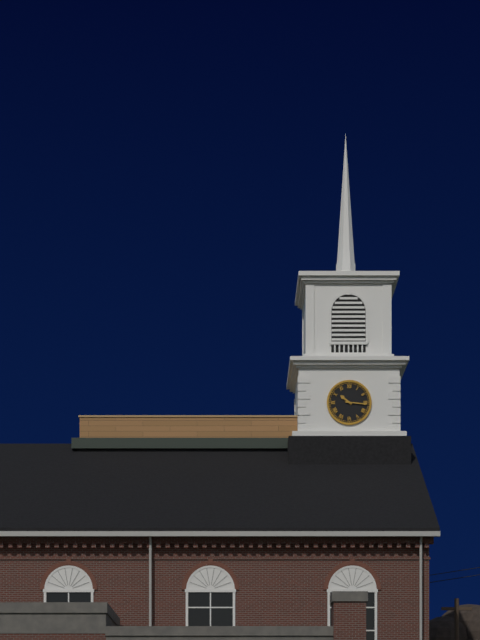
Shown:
**10:16**
